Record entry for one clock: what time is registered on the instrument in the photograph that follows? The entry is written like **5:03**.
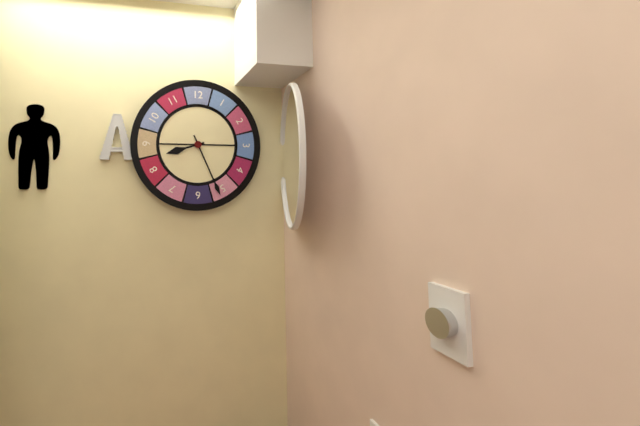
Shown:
**8:26**
